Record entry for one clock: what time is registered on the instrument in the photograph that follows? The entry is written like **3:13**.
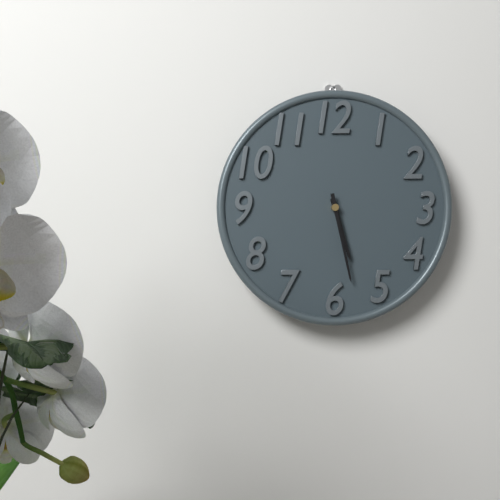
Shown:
**5:28**
